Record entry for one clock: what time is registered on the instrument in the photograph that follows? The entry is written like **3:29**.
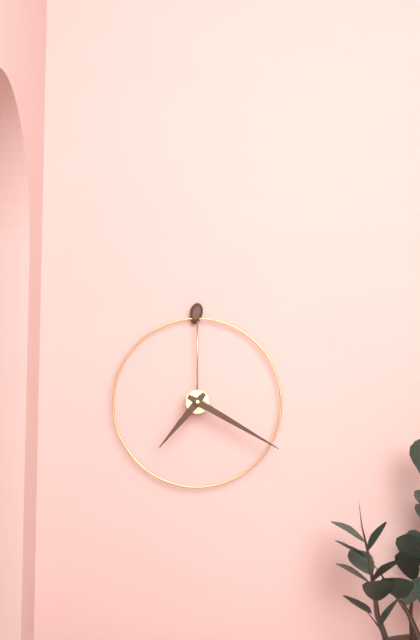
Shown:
**7:20**
